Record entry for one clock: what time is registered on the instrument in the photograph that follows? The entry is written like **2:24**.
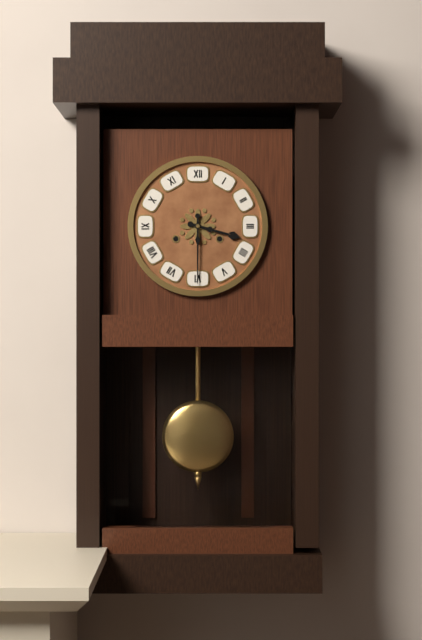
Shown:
**3:30**
